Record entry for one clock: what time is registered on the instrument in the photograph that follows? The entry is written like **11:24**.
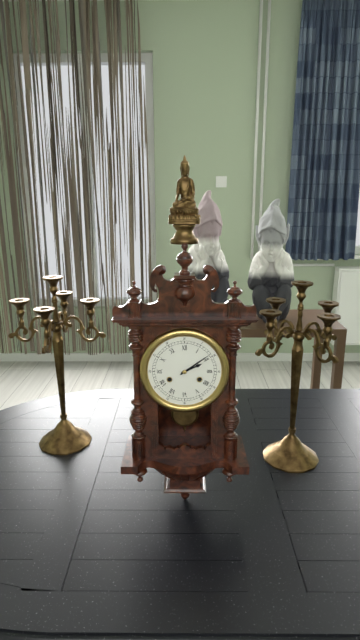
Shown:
**2:09**
